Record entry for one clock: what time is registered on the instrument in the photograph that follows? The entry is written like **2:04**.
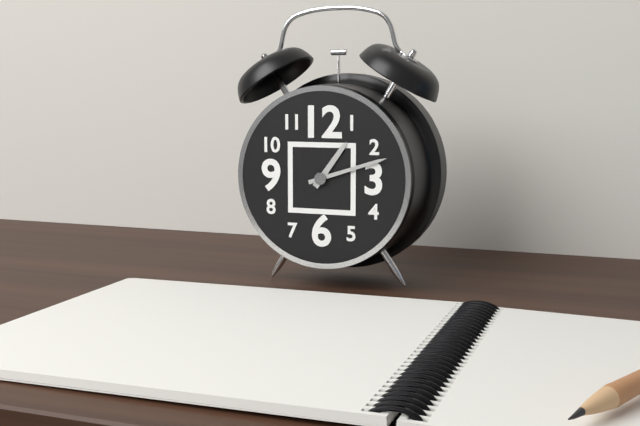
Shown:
**1:12**
